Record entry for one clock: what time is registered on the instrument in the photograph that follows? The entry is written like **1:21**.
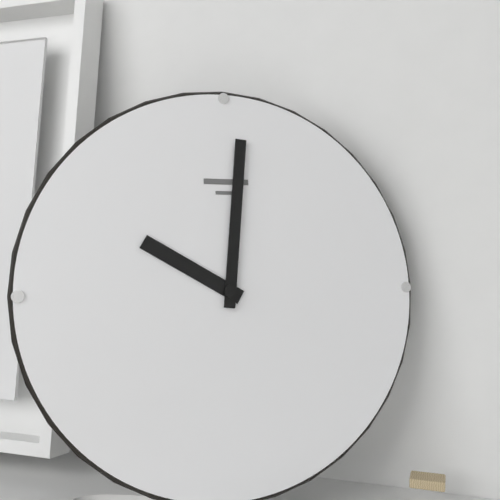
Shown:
**10:01**
